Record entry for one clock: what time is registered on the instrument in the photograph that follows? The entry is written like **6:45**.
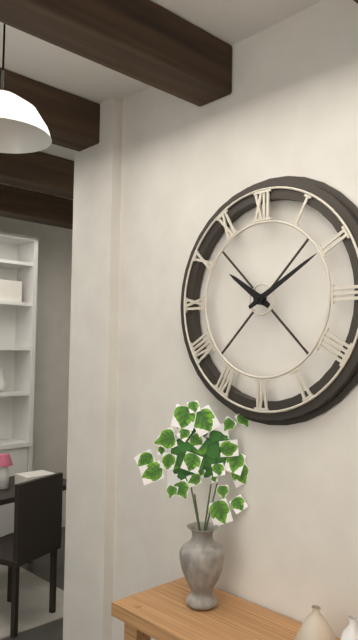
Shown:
**10:10**
